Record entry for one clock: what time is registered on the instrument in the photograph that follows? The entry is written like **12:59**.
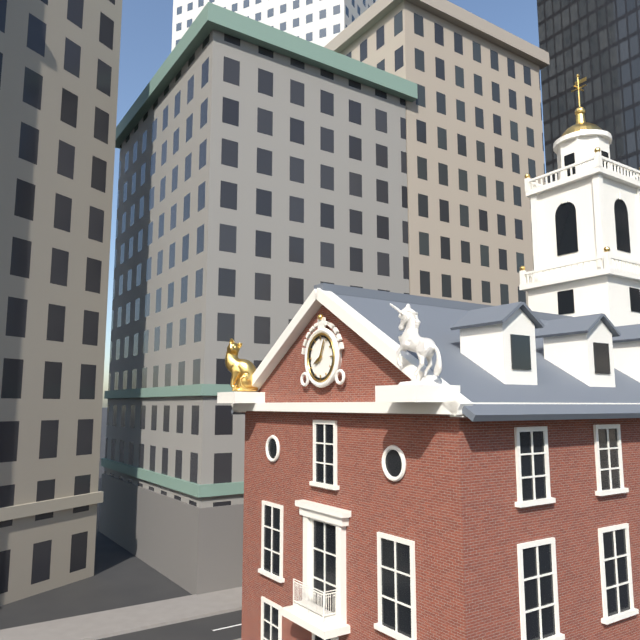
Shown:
**8:04**
